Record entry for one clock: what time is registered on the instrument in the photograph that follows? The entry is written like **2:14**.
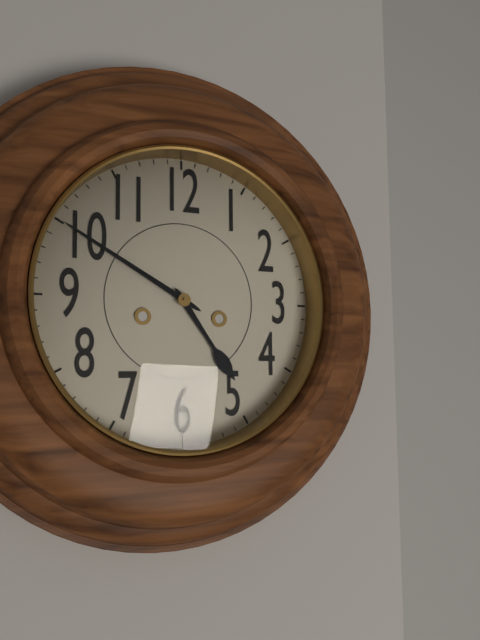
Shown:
**4:50**
